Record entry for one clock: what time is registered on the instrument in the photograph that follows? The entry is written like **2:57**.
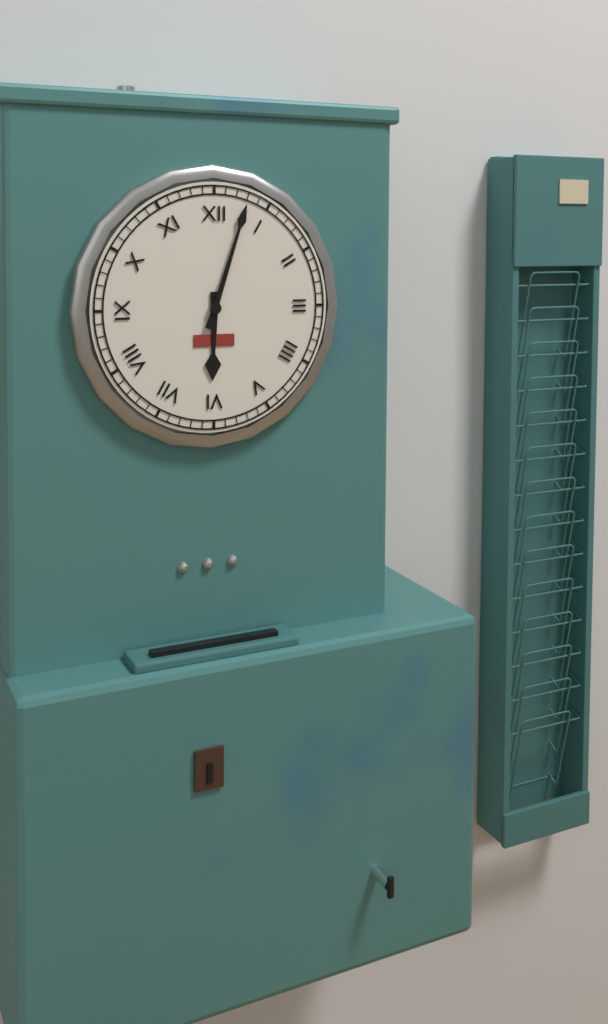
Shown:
**6:03**
